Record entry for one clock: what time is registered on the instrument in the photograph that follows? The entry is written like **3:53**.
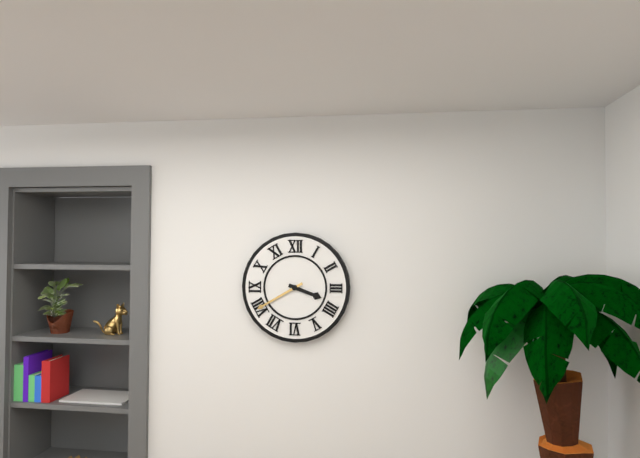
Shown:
**3:40**
